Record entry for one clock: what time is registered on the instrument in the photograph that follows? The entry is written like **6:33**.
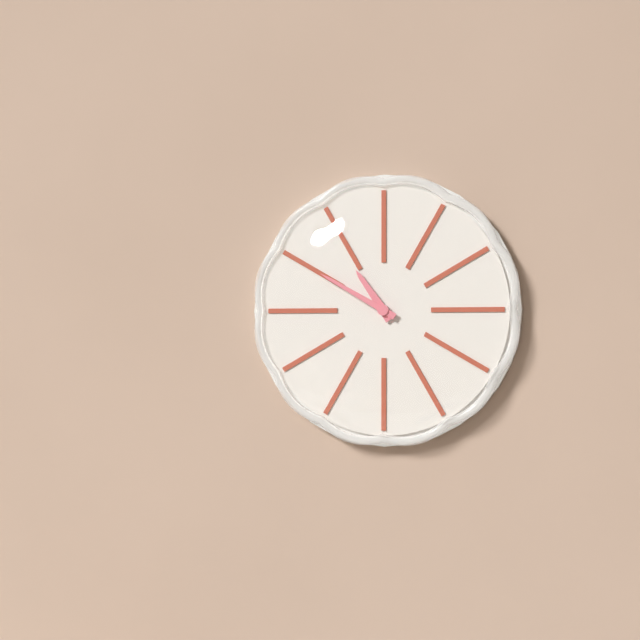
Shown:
**10:50**
